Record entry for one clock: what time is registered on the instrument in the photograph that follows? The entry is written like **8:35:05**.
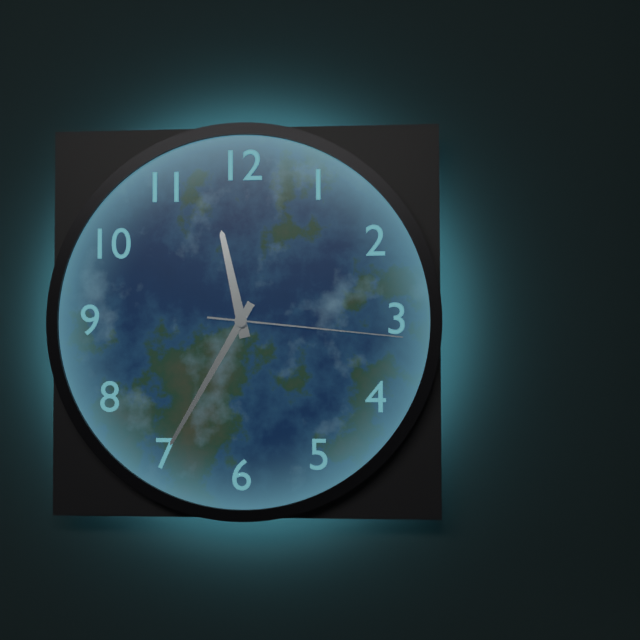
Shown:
**11:35:16**
